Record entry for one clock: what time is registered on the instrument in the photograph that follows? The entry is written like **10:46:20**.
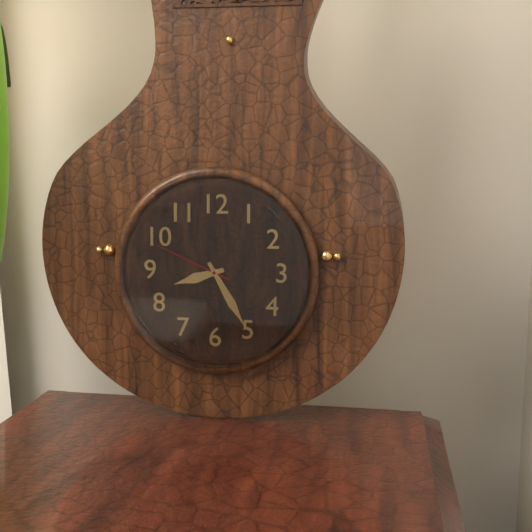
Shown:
**8:25:49**
